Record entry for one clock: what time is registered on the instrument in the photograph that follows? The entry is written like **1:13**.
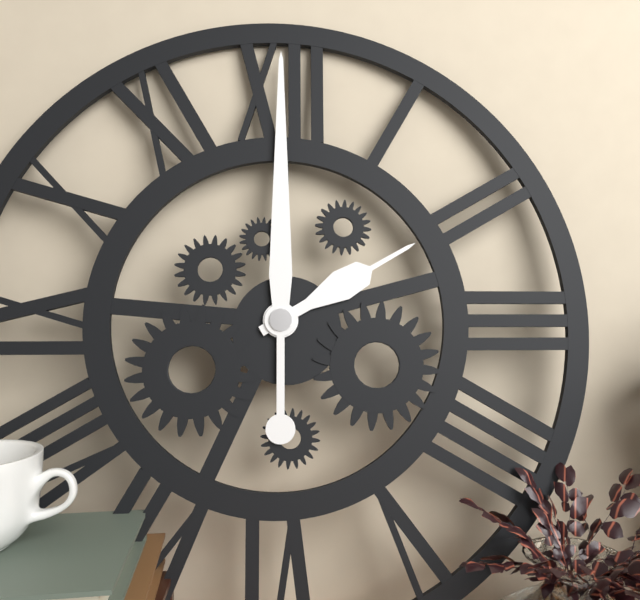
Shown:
**2:00**
